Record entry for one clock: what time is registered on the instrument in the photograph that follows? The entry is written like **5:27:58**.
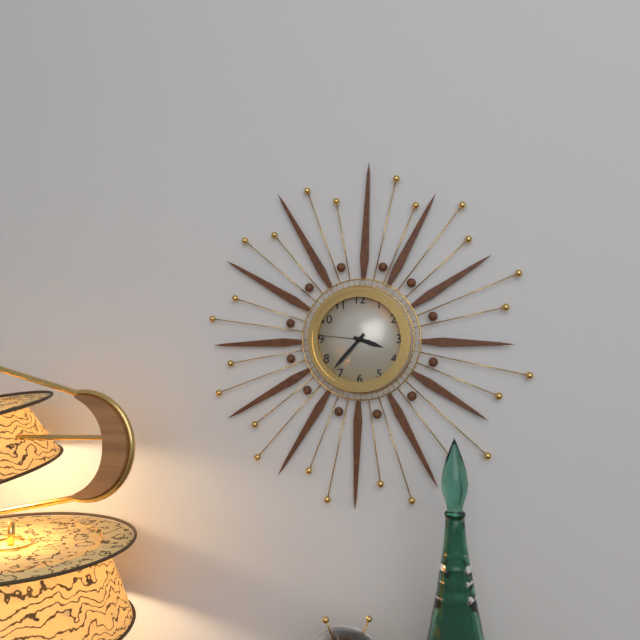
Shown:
**3:37:46**
